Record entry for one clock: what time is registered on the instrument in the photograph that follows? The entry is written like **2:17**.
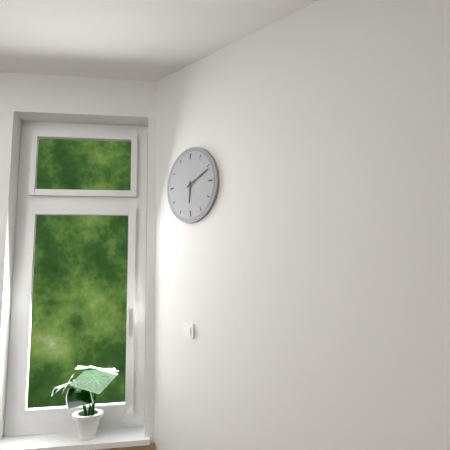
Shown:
**6:11**
